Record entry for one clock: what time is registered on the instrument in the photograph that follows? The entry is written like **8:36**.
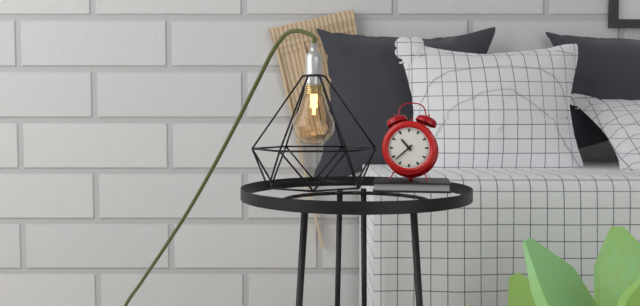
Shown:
**10:38**
